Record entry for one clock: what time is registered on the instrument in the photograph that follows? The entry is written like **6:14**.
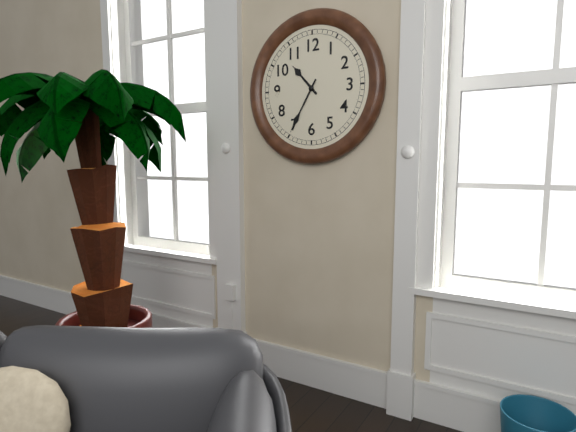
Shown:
**10:35**
